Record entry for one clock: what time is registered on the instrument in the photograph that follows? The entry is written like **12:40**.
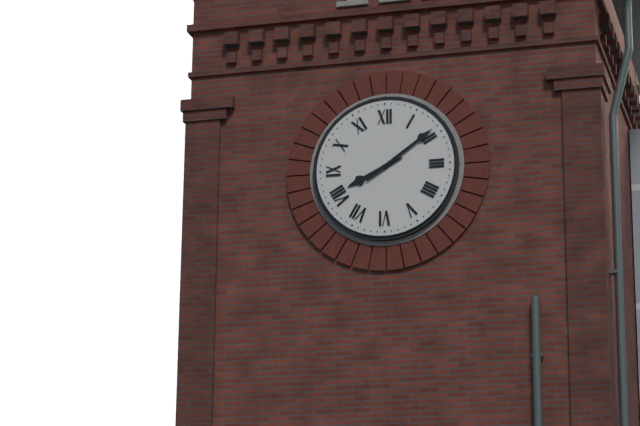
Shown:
**8:09**
